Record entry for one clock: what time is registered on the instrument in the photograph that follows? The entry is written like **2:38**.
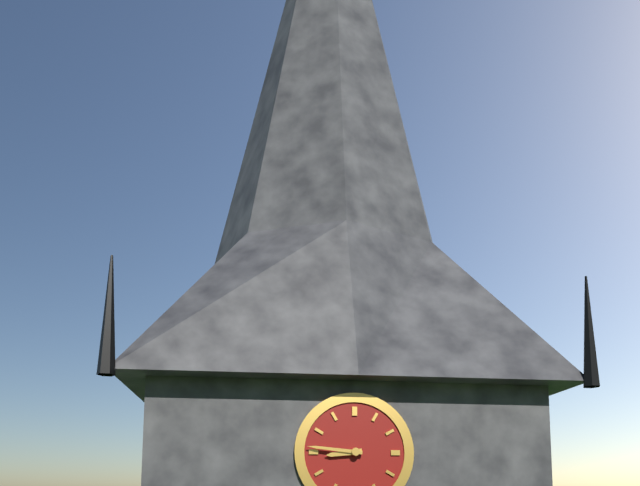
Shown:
**8:46**
